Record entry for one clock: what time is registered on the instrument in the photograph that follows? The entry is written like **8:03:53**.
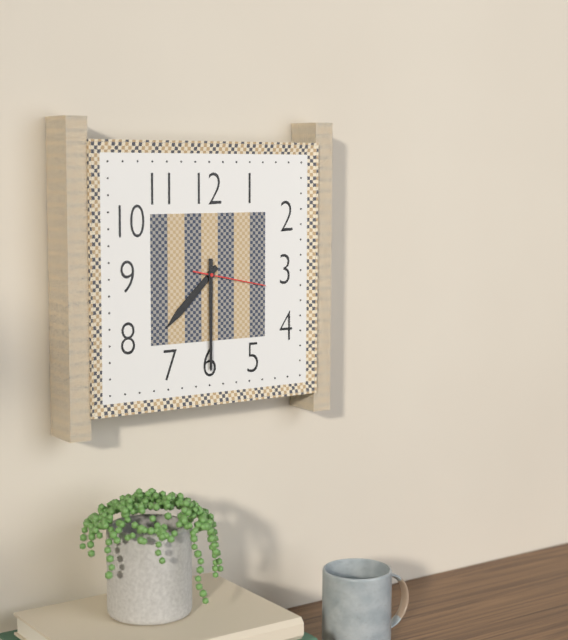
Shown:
**7:30:17**
